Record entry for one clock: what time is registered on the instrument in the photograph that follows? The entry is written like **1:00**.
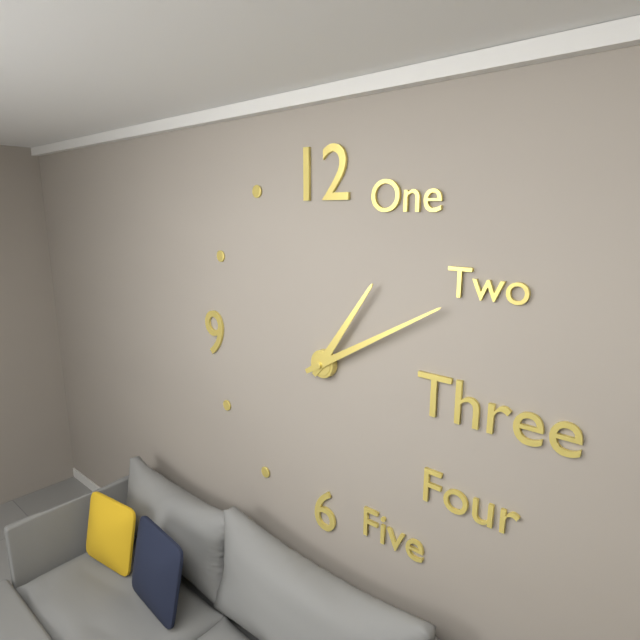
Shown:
**1:10**
